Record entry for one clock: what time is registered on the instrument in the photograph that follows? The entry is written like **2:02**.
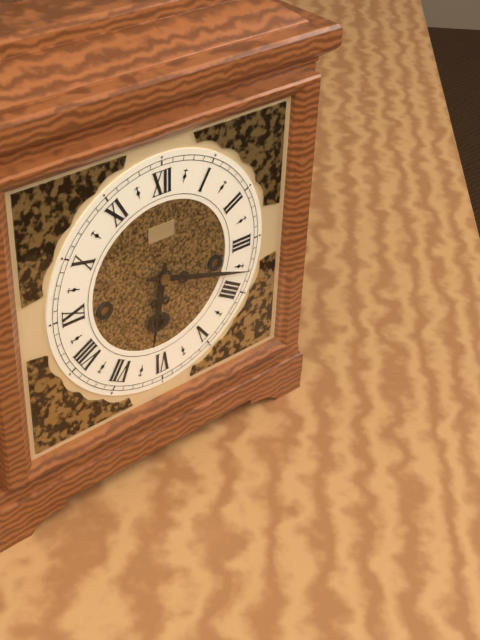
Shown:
**6:18**
